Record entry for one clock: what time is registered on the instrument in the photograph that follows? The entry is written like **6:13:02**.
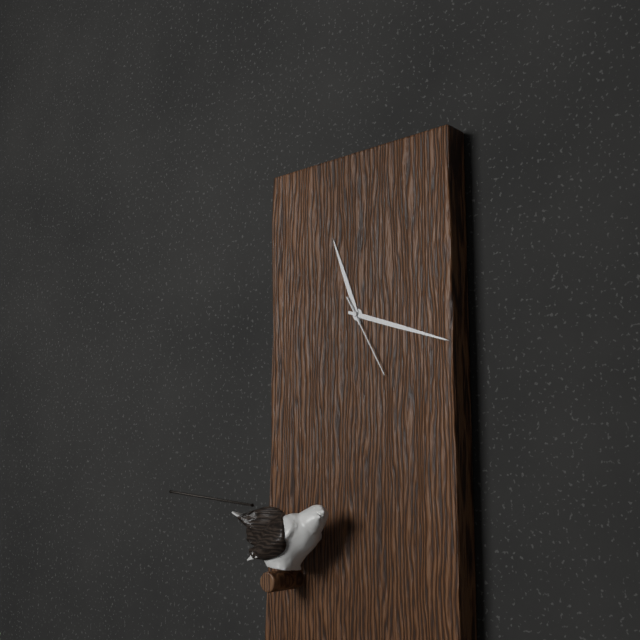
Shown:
**11:18:25**
